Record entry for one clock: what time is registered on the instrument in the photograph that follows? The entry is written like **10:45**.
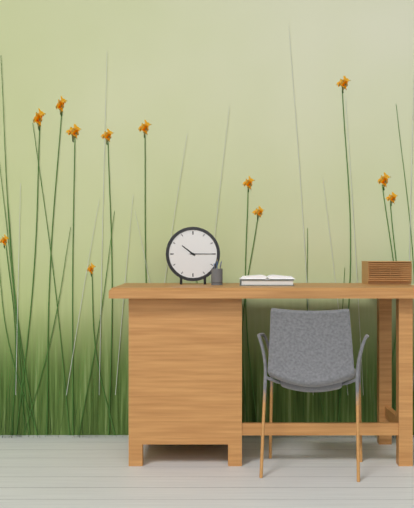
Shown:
**10:15**
